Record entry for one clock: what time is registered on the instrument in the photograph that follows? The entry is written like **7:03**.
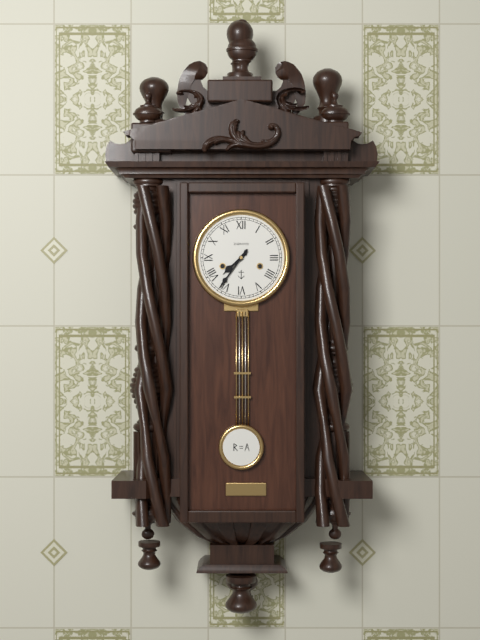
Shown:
**7:36**
